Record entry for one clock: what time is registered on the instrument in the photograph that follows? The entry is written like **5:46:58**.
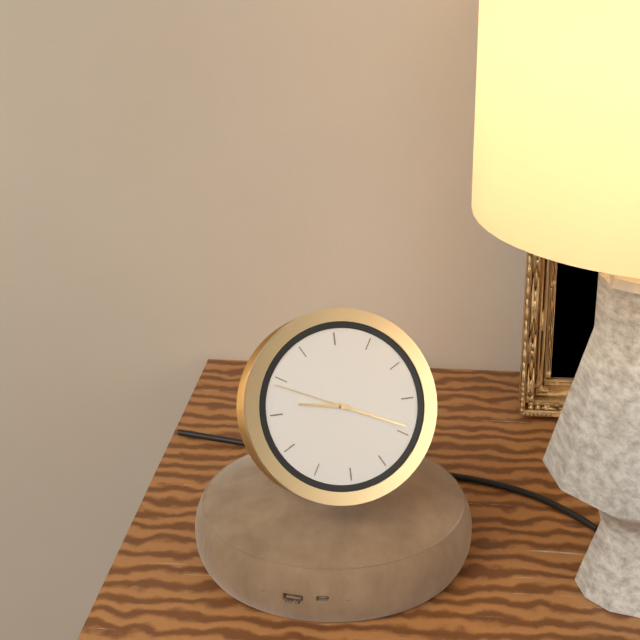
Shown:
**9:19:49**
